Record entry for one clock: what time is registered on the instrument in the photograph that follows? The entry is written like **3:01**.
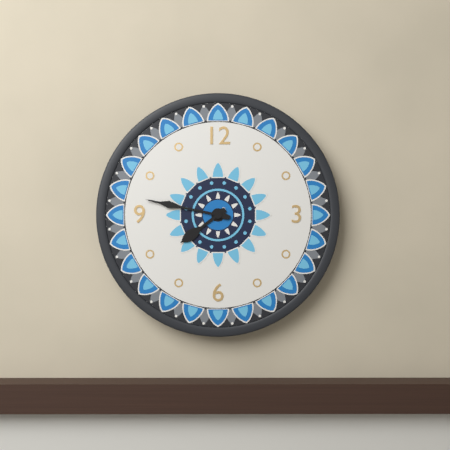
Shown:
**7:47**
